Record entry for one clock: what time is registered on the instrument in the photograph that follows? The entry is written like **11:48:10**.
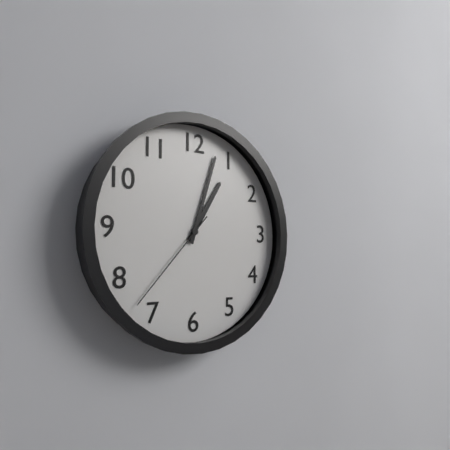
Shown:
**1:03:37**
